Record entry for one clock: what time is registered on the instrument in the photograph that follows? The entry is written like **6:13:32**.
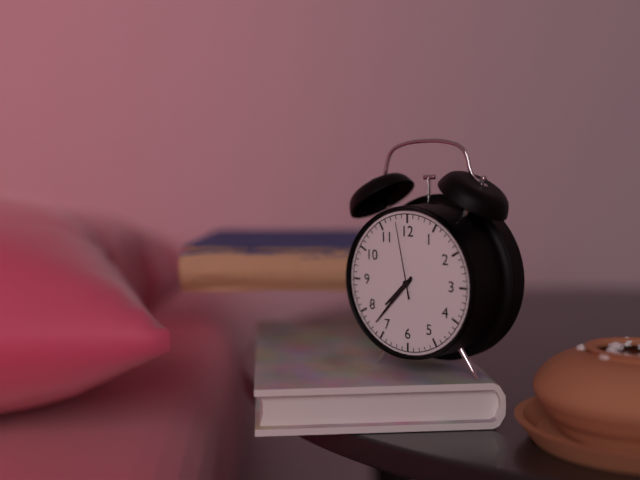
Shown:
**7:37:58**
